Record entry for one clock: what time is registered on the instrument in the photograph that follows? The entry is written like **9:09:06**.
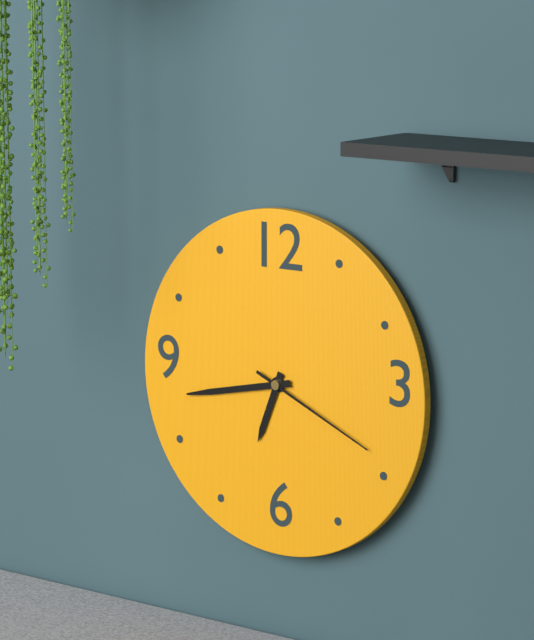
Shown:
**6:43:19**
